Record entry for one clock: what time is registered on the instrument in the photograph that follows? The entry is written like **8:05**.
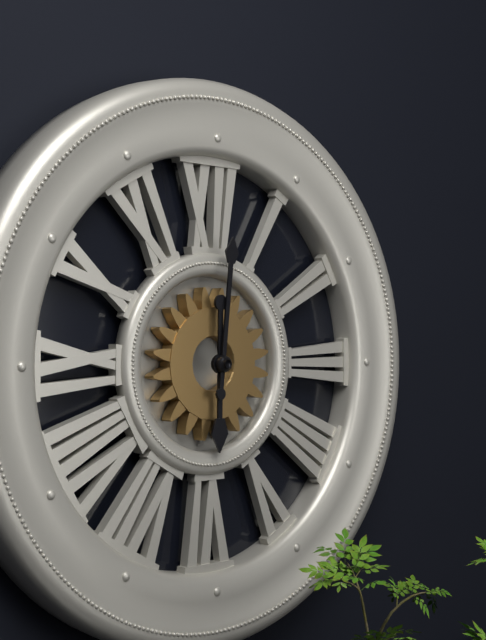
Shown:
**6:01**
